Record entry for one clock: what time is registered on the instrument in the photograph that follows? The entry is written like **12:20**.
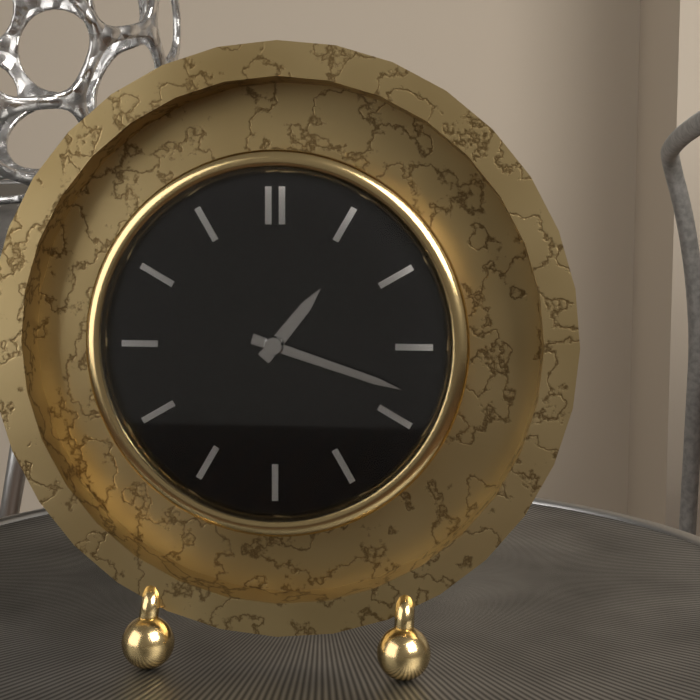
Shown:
**1:18**
